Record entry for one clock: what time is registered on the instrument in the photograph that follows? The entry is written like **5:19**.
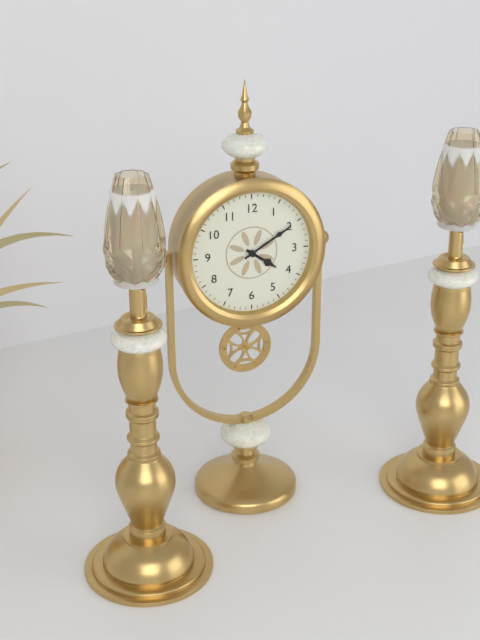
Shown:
**4:10**
